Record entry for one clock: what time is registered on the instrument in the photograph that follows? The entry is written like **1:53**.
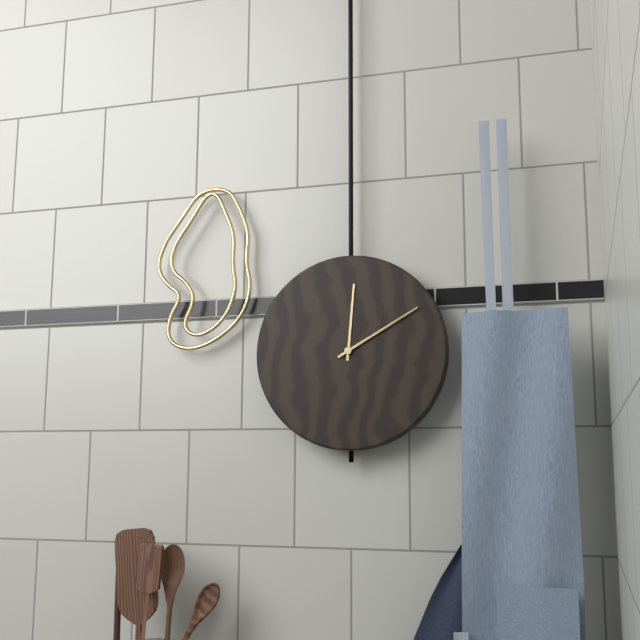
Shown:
**12:10**
